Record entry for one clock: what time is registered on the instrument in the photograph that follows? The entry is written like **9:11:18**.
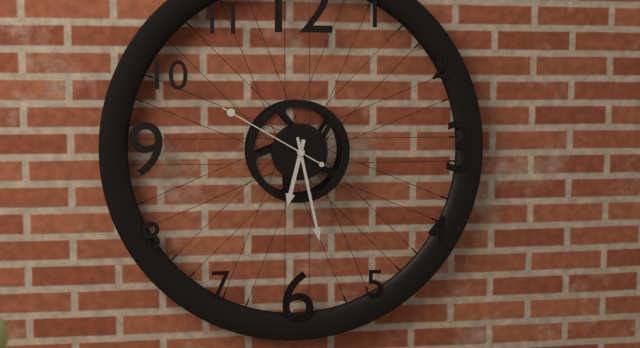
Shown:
**6:28:50**
